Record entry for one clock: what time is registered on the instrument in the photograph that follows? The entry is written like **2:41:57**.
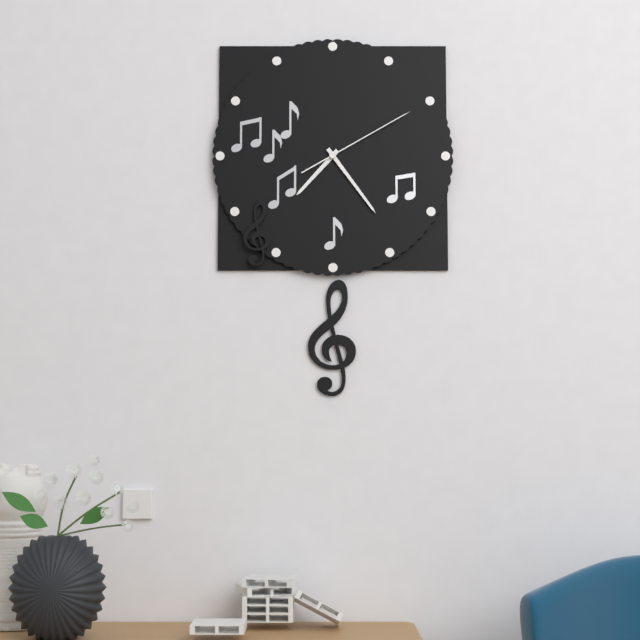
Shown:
**7:24:10**
